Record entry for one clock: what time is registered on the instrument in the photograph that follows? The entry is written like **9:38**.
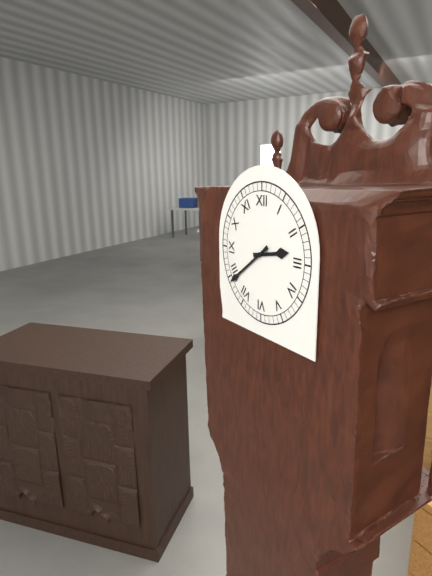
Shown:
**2:39**
